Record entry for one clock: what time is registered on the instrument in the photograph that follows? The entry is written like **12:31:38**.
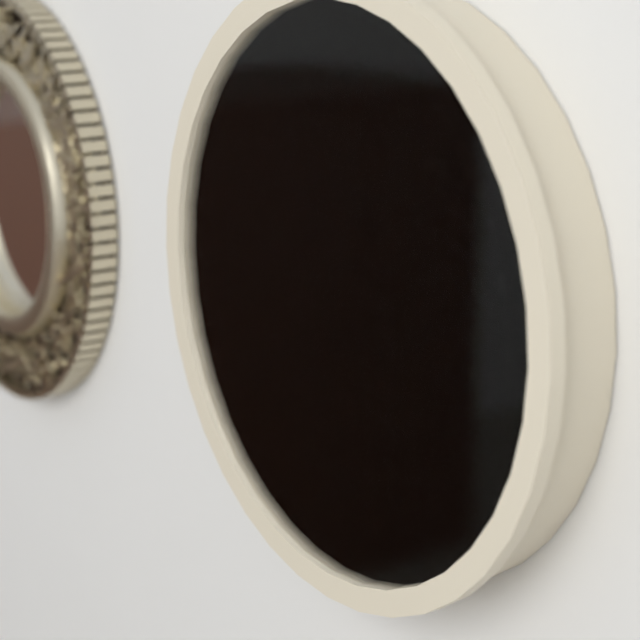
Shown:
**5:32:31**
